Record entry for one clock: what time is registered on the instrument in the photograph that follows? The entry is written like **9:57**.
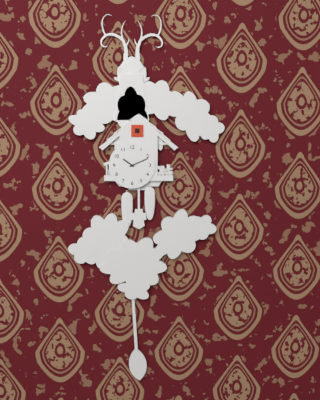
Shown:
**10:11**
